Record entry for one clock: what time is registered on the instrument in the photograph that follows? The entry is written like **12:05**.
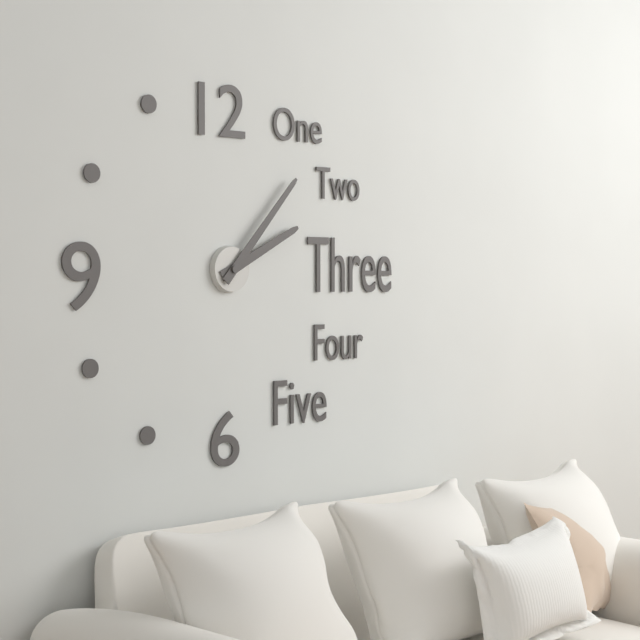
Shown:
**2:07**
